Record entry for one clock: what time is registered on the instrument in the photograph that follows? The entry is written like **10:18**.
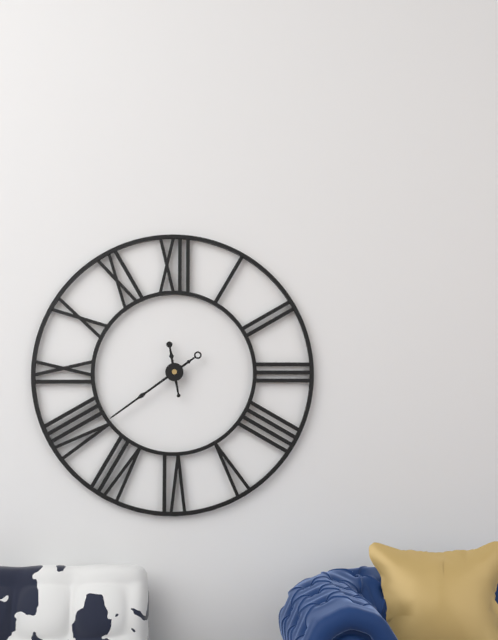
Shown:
**11:39**
